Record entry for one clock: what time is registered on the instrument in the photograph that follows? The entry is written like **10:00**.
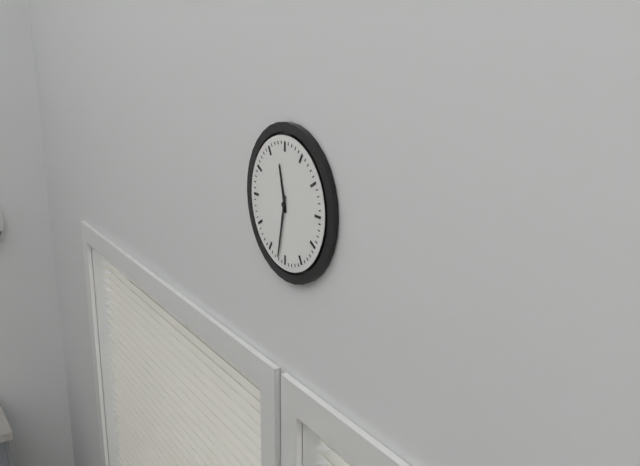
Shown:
**11:32**
